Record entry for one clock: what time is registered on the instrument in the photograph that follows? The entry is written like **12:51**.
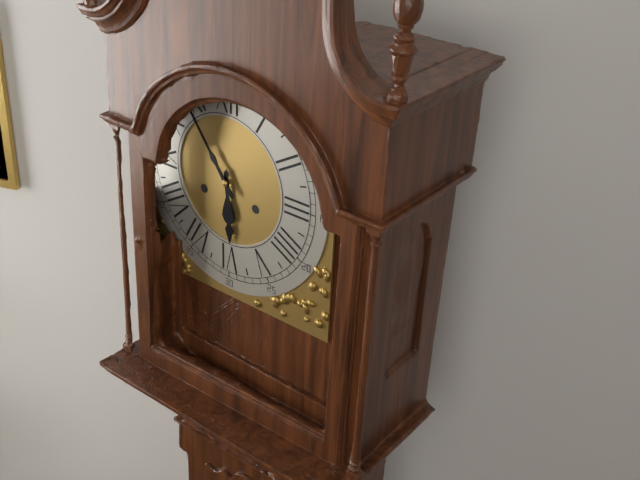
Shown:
**5:54**
